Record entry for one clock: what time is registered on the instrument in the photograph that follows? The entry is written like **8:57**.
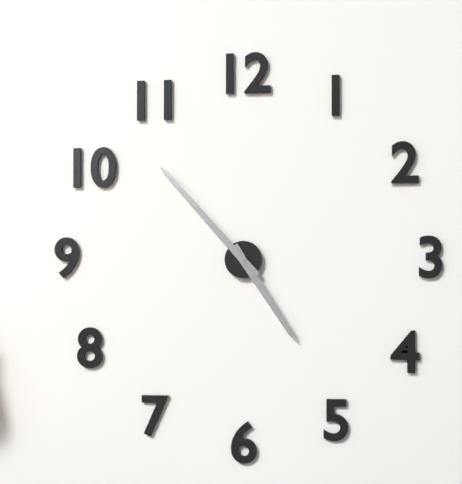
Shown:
**4:53**
